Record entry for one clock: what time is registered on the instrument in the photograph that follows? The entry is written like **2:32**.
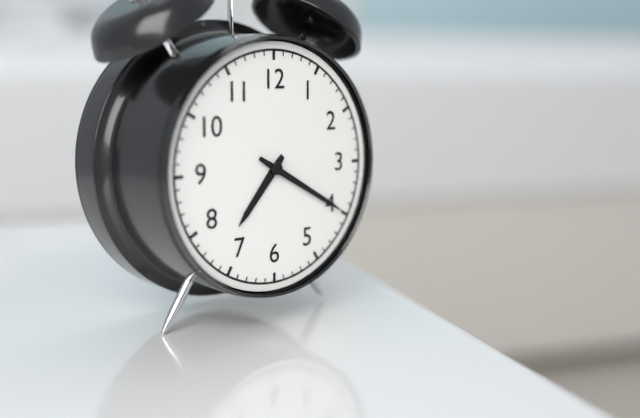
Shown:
**7:20**
